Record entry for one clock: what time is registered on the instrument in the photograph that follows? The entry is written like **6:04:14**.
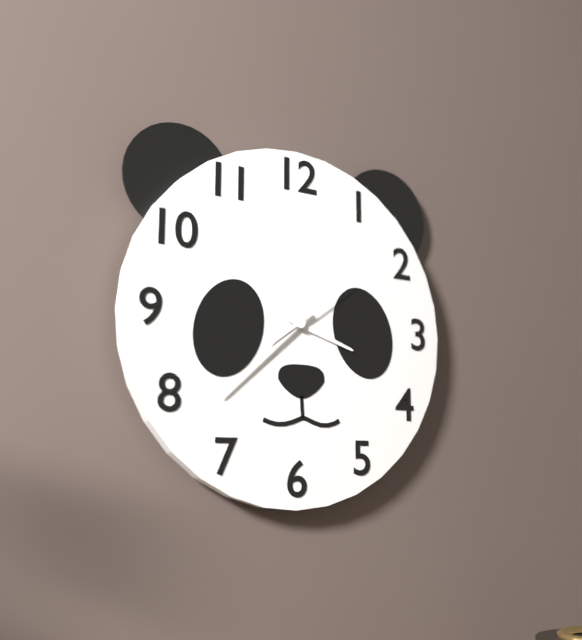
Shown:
**3:38:09**
